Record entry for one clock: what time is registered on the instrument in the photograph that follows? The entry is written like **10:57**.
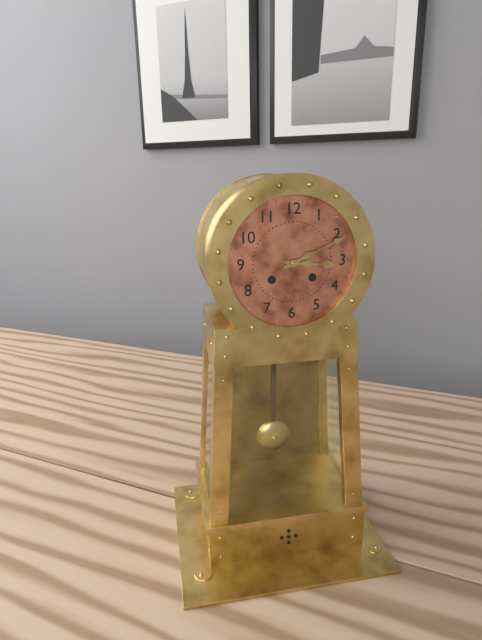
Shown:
**3:11**
